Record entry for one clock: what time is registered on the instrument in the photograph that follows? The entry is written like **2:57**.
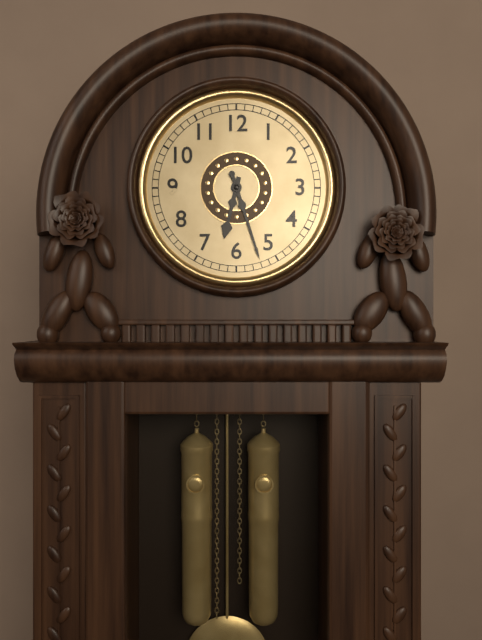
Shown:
**6:27**
